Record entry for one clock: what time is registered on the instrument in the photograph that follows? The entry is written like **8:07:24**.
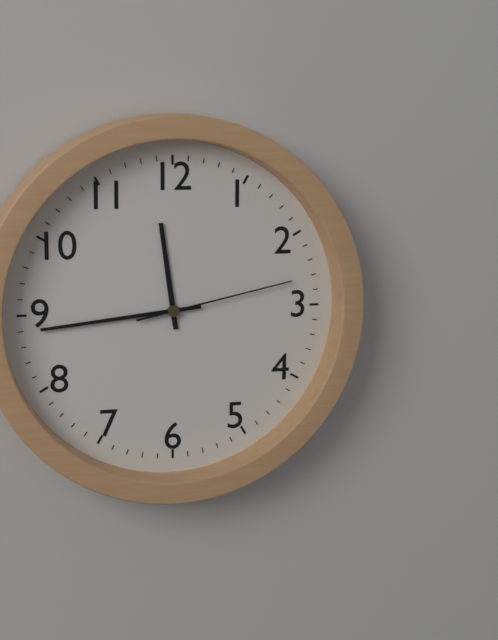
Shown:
**11:44:13**
